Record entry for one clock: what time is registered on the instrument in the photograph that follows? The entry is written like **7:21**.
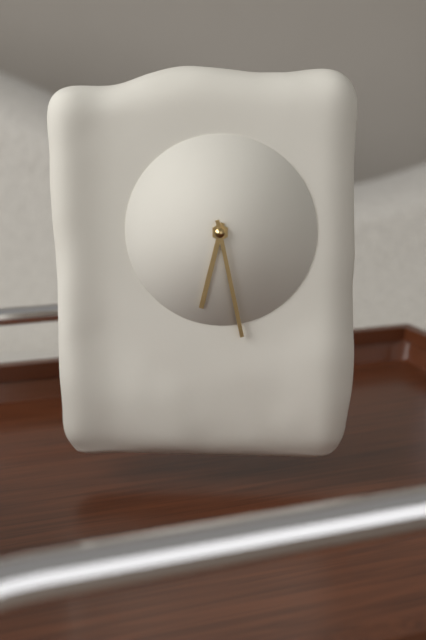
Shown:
**6:28**
